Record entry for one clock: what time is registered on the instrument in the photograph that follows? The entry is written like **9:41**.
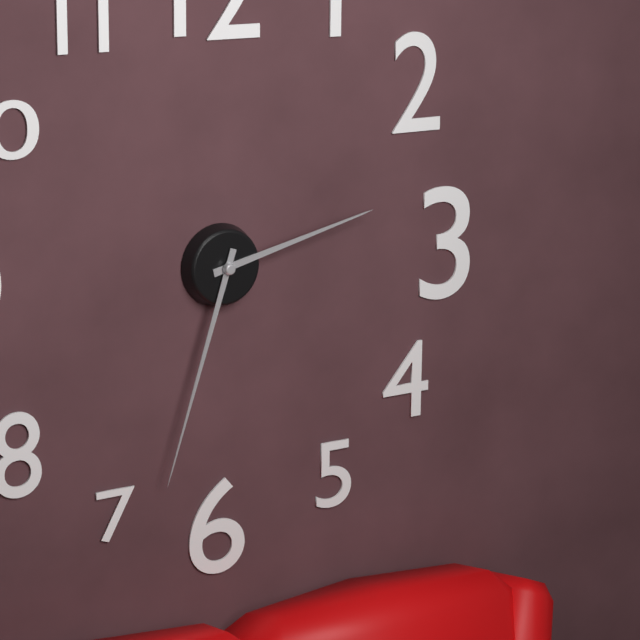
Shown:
**2:33**
